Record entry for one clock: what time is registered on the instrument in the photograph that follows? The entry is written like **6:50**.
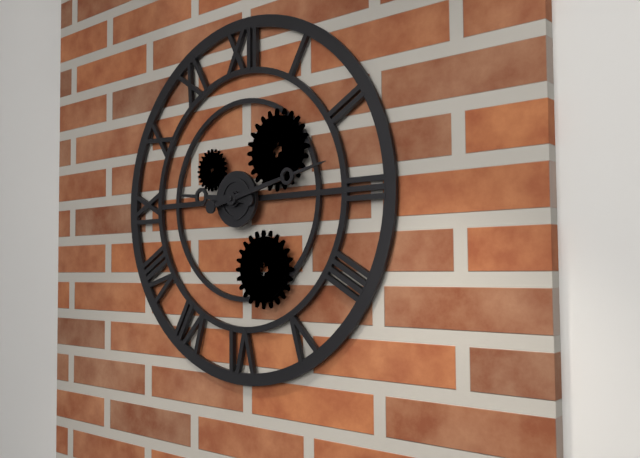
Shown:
**9:13**
